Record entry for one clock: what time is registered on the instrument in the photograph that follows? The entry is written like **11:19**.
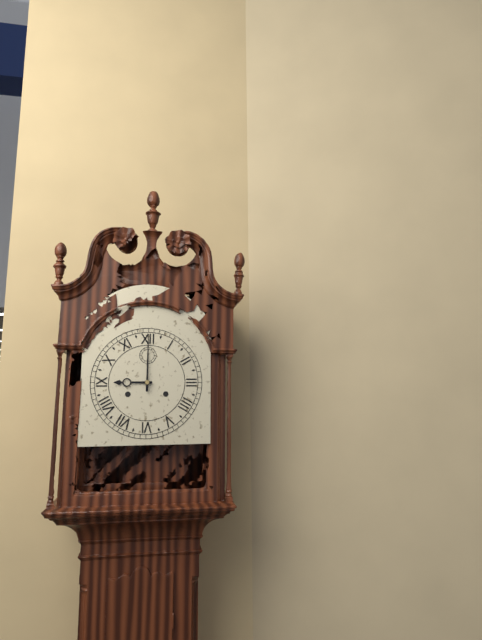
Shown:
**9:00**
